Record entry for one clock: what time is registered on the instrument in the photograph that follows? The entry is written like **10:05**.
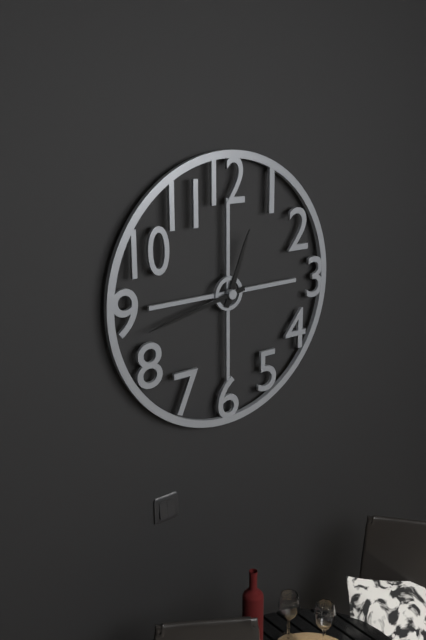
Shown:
**12:43**
